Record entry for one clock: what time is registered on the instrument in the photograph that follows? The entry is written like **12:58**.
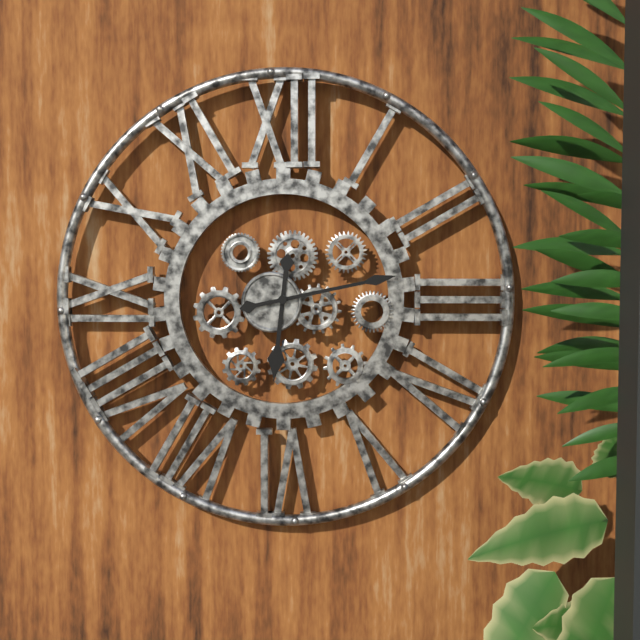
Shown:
**6:13**
